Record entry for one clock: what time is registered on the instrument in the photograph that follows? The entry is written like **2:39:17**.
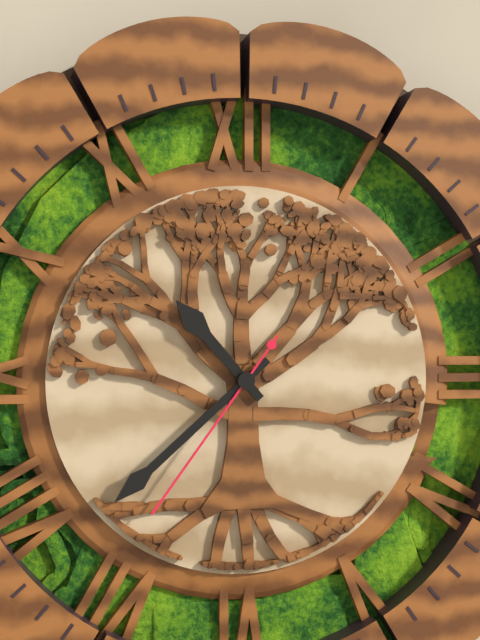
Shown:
**10:38:36**
